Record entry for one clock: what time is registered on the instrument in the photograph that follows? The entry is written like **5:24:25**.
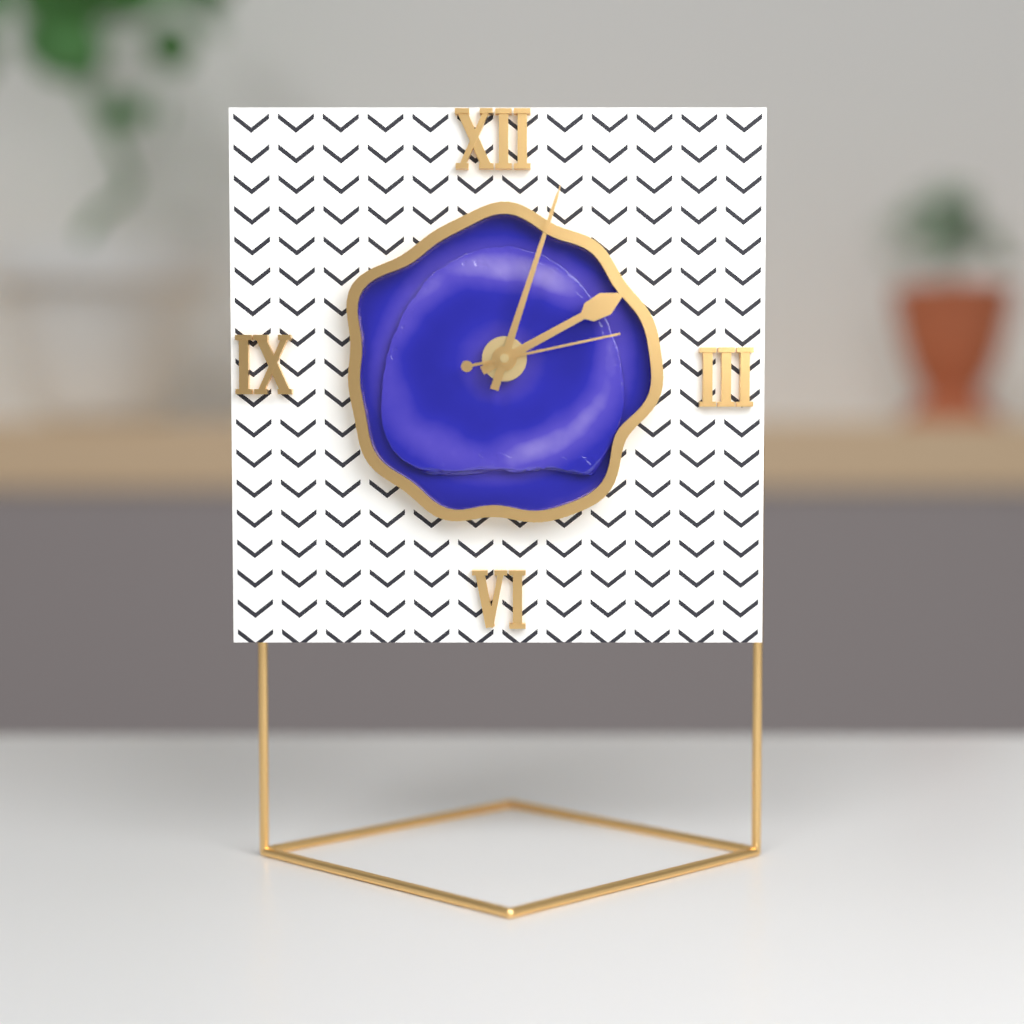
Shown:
**2:03:13**
